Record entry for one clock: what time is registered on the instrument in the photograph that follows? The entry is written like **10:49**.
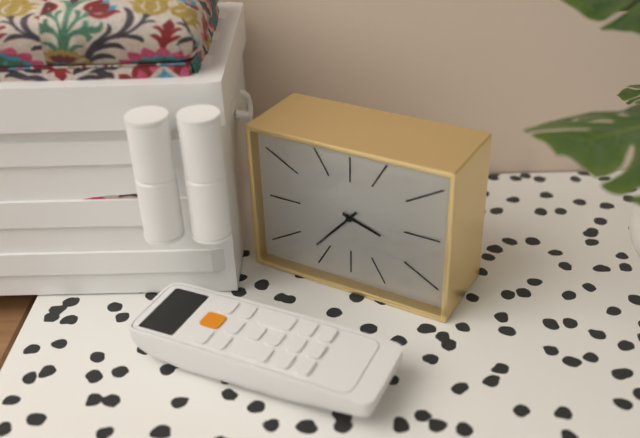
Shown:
**3:37**
